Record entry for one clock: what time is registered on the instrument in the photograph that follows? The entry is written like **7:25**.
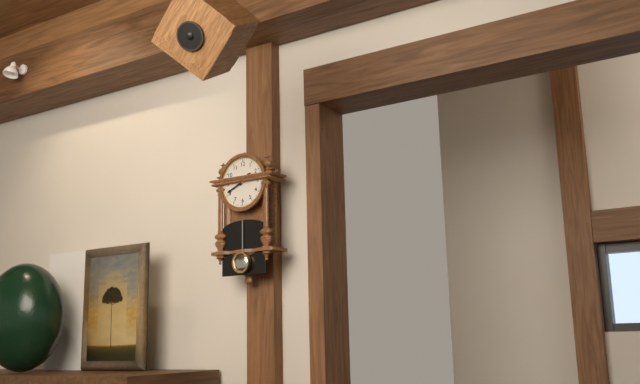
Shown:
**1:41**
